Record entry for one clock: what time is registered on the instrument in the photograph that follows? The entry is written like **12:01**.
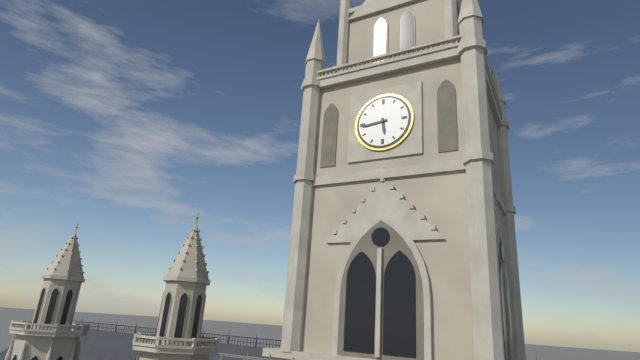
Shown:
**5:44**
